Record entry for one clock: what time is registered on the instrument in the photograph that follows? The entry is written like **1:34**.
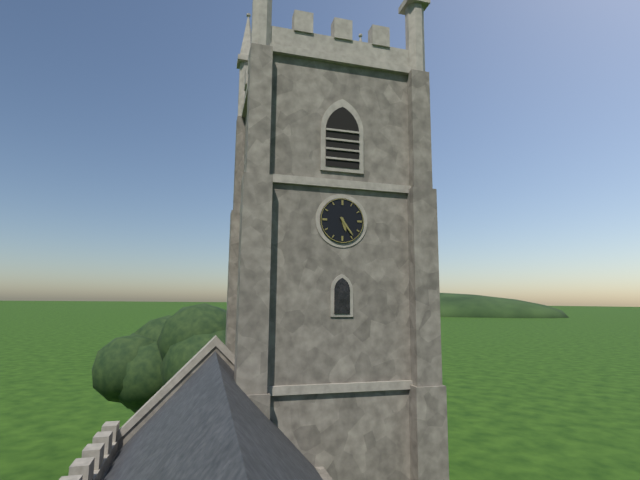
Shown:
**5:24**
